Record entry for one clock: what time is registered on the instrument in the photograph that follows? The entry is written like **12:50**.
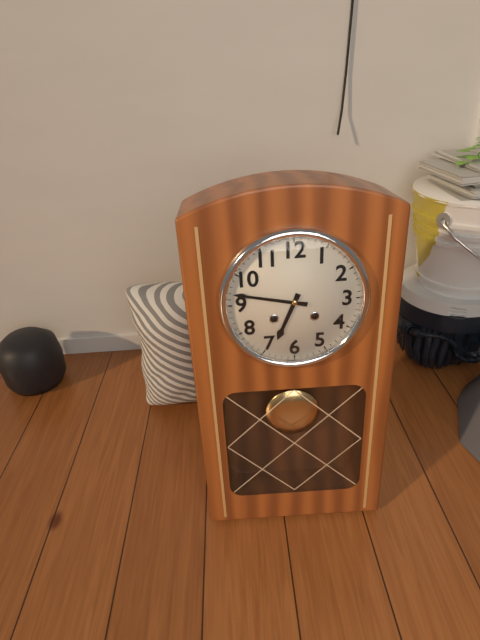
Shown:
**6:47**
